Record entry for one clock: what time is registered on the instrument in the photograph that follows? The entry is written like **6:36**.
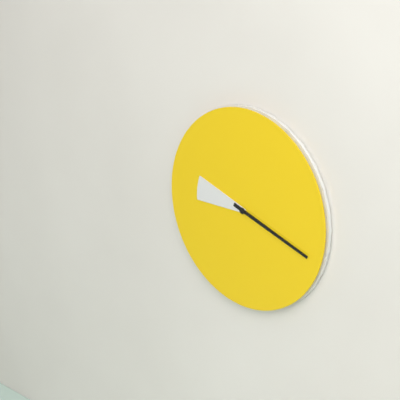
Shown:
**9:18**
